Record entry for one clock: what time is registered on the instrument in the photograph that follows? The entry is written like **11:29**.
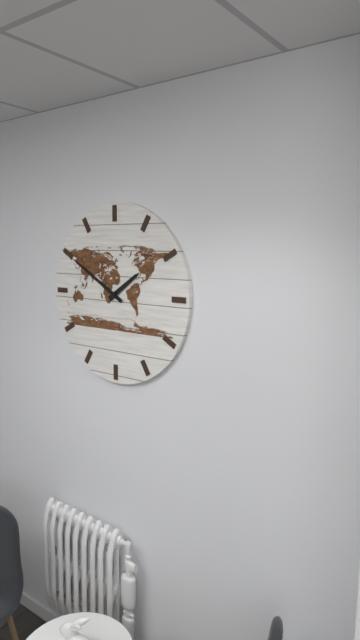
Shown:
**1:50**
